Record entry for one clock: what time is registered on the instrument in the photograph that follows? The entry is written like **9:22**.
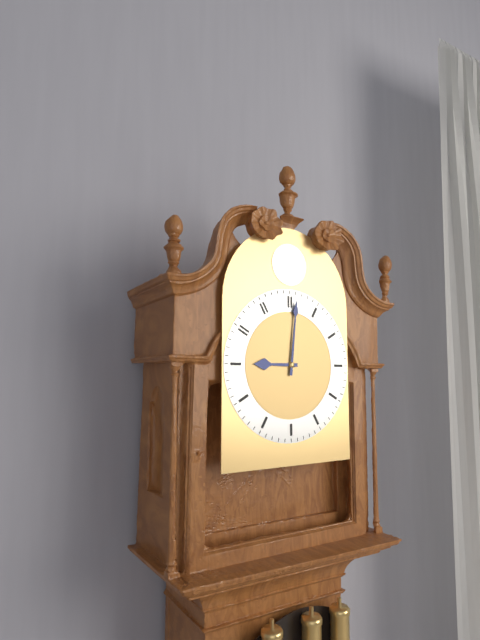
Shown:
**9:01**
